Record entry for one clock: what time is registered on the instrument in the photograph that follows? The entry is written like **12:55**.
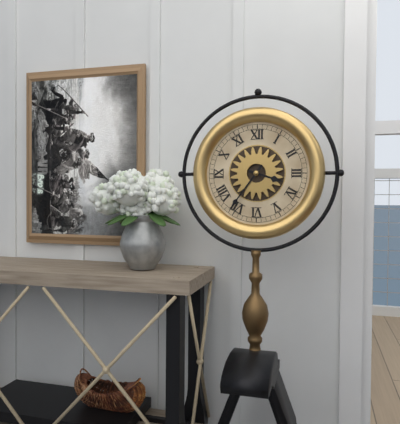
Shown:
**3:36**
